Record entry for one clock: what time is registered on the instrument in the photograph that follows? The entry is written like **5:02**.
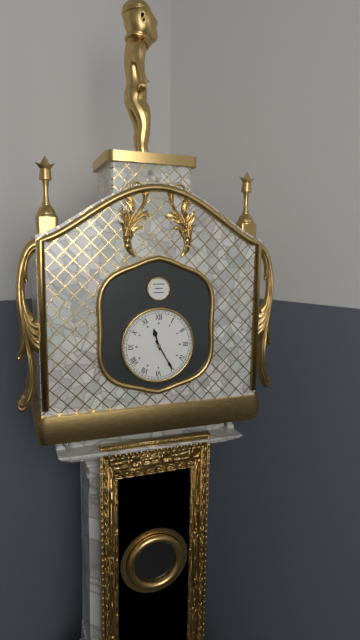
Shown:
**11:25**
